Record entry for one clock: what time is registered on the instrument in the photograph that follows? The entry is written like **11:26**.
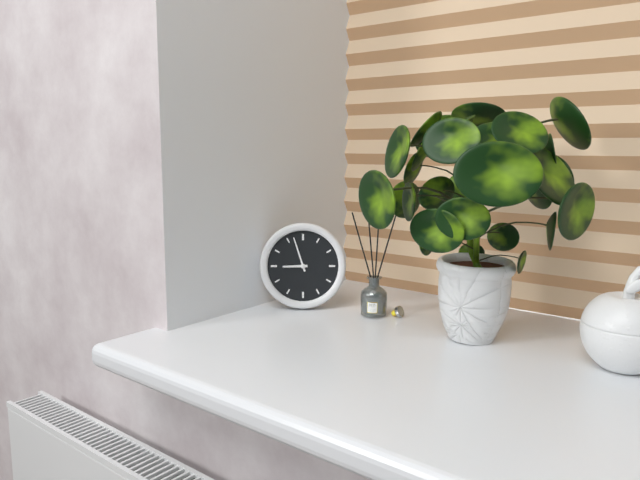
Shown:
**8:57**
